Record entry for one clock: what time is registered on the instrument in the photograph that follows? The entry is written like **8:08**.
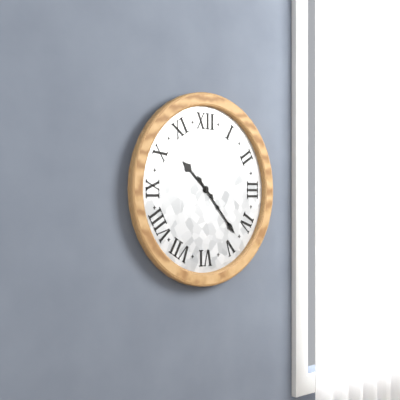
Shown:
**10:23**
